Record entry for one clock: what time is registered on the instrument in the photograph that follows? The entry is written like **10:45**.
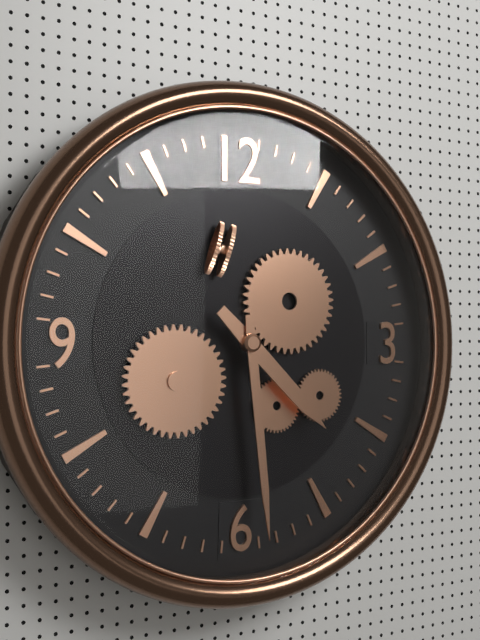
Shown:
**4:29**
